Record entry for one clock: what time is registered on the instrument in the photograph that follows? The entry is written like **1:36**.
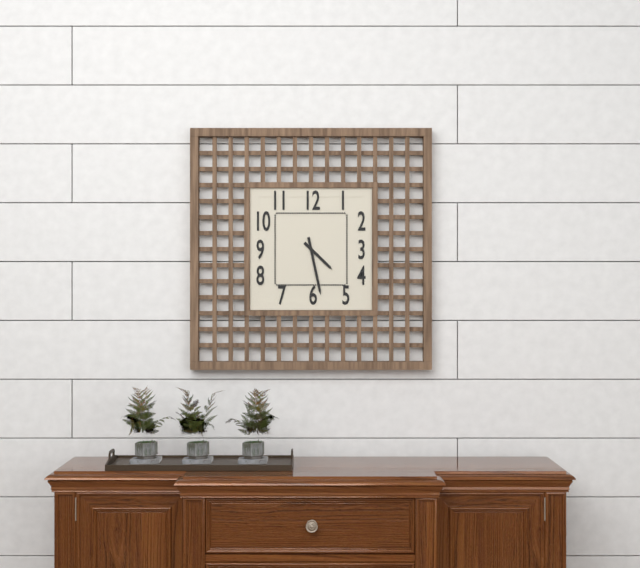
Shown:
**4:28**
